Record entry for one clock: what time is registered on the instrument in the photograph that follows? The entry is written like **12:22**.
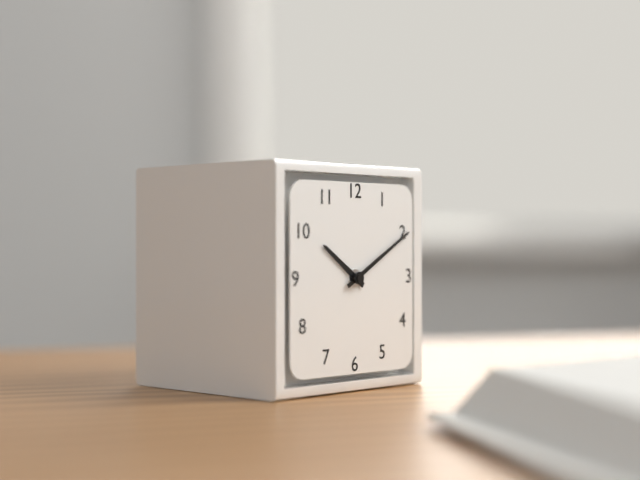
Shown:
**10:10**
